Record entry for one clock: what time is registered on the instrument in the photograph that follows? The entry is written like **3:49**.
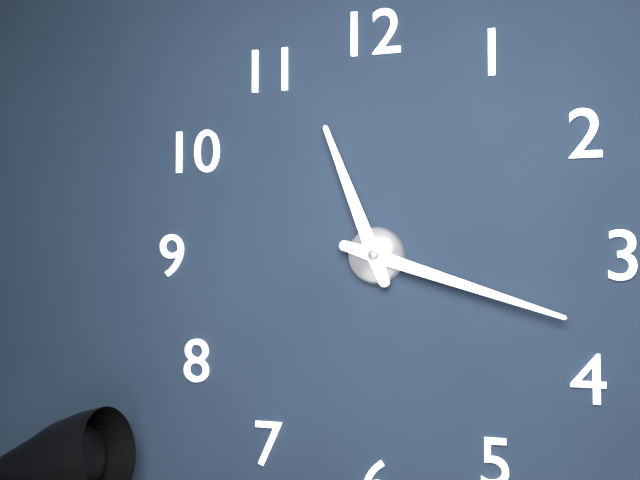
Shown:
**11:18**
